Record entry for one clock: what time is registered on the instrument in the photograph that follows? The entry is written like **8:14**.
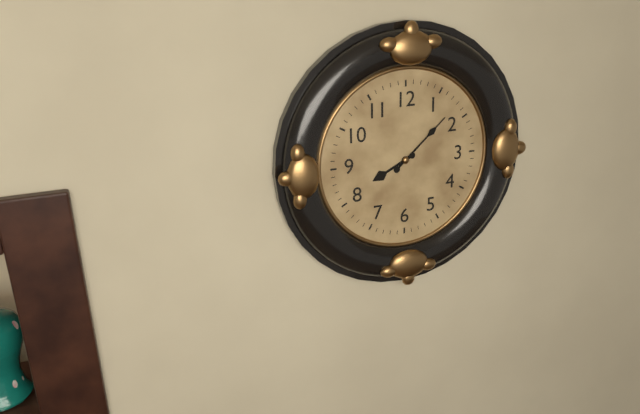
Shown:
**8:08**
